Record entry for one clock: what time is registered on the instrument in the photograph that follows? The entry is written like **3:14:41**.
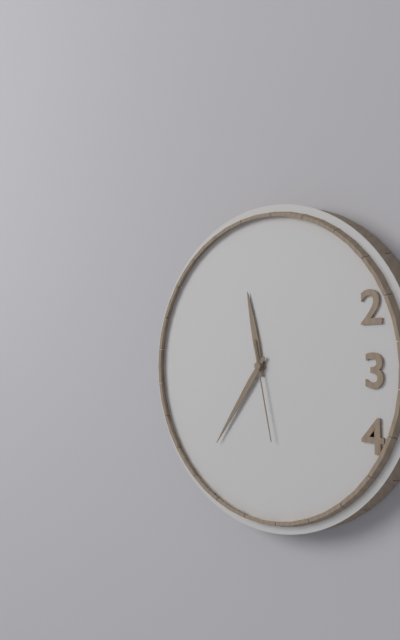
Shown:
**11:36:28**
